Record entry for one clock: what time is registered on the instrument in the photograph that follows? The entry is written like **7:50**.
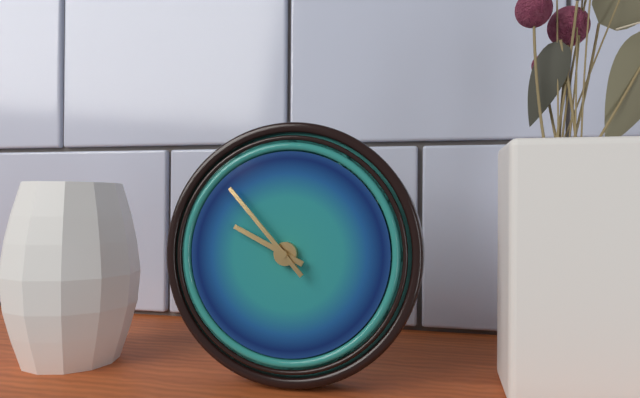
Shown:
**9:53**
